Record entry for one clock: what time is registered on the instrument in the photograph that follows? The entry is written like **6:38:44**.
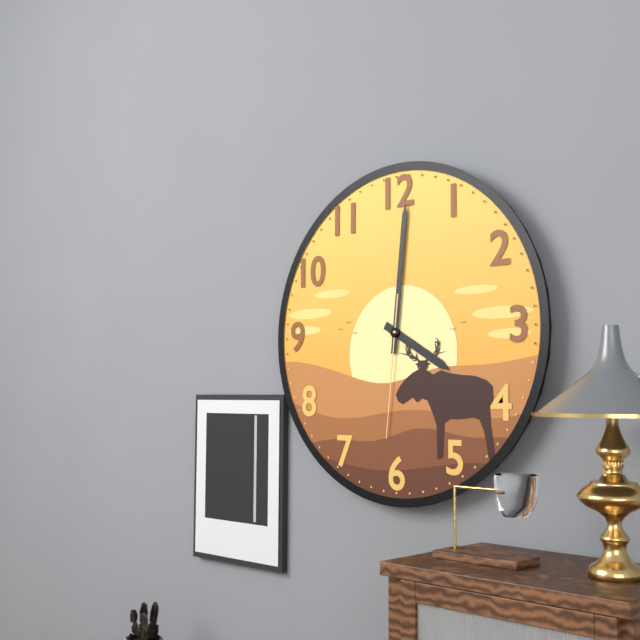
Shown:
**4:01:31**
